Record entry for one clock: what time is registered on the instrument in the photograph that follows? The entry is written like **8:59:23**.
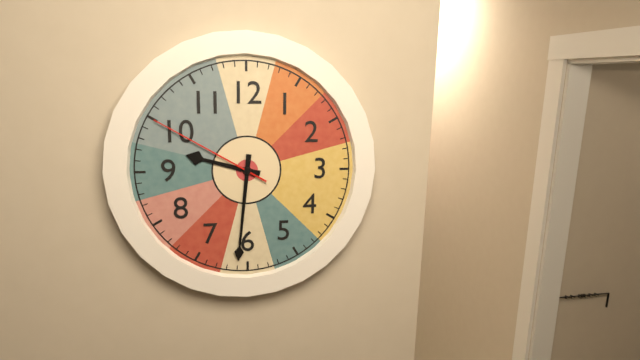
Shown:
**9:31:50**
